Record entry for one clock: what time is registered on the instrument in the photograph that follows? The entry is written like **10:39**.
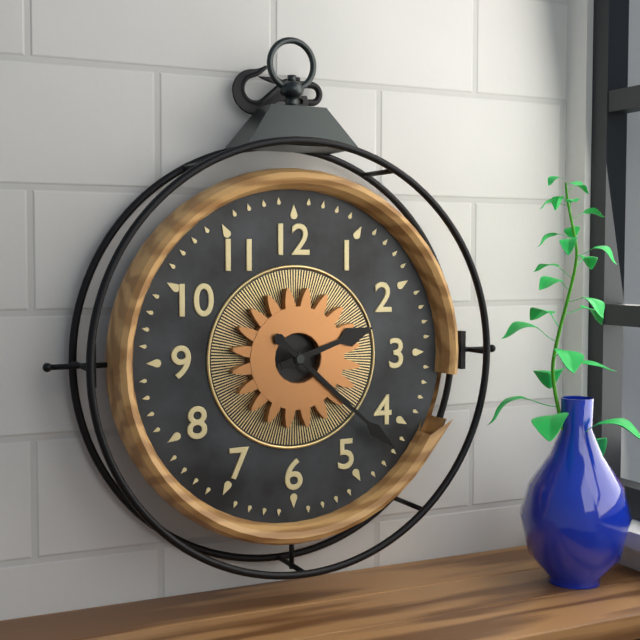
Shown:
**2:22**
